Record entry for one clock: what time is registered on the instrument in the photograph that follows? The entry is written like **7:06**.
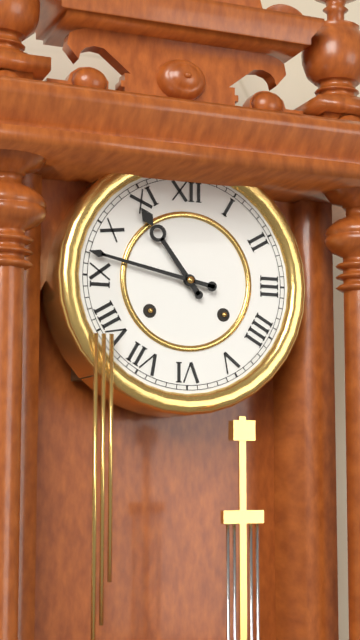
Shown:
**10:47**
